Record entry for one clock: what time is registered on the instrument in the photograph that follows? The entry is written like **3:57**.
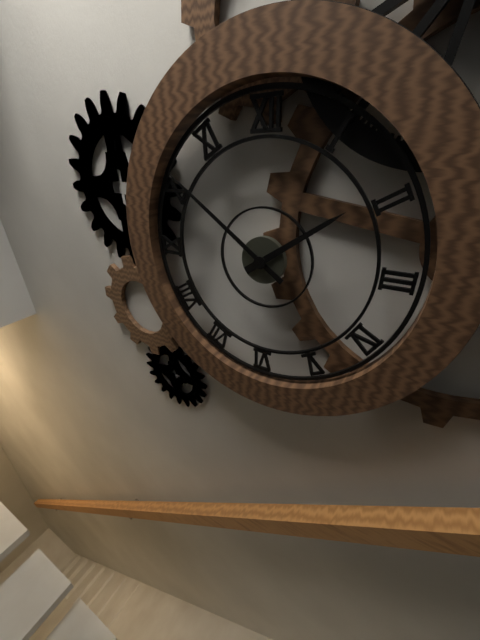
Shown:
**1:51**
